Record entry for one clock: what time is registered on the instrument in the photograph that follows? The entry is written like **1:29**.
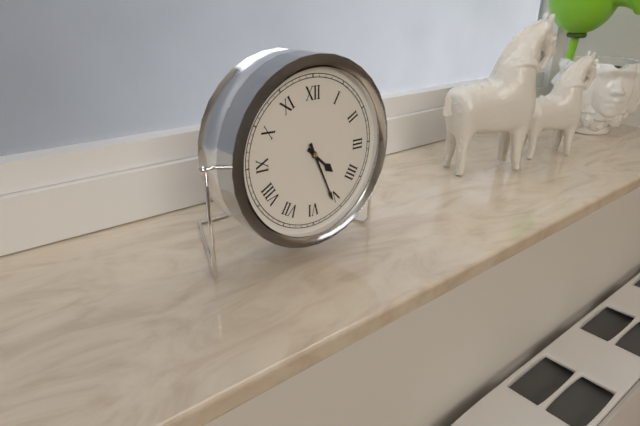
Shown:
**4:26**
